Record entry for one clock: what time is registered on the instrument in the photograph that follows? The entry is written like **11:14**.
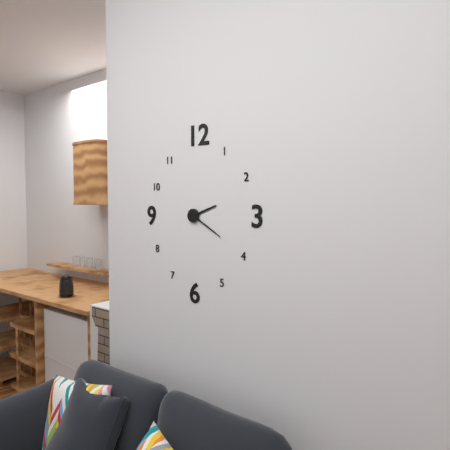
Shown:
**2:20**
